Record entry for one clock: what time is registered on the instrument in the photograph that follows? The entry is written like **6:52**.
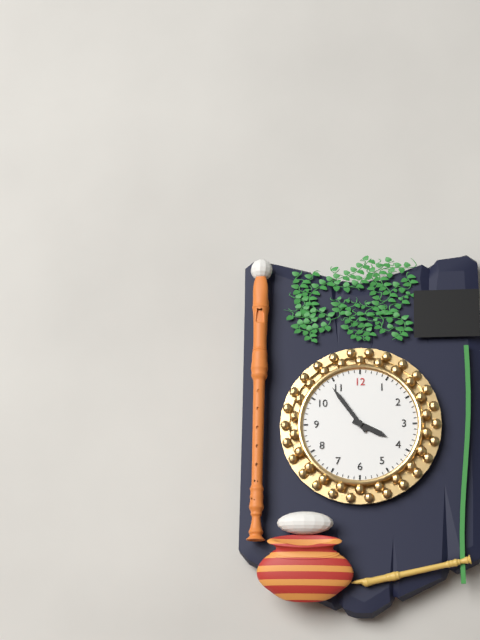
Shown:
**3:54**
